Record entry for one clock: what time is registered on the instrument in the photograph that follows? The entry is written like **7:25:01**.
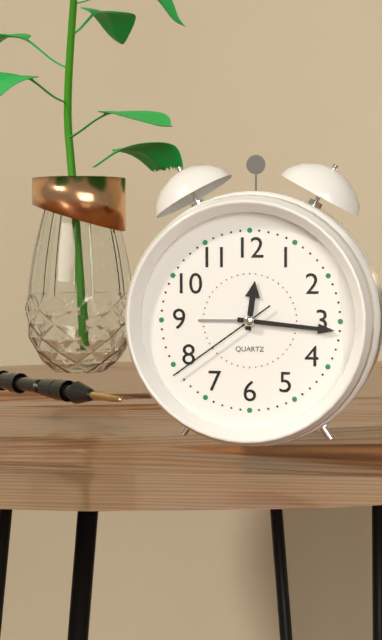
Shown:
**12:16:39**
